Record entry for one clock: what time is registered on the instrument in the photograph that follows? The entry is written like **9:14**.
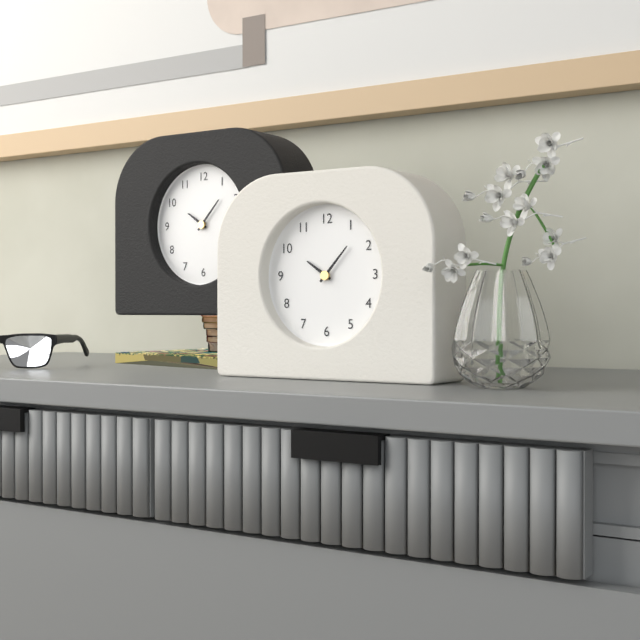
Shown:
**10:07**
